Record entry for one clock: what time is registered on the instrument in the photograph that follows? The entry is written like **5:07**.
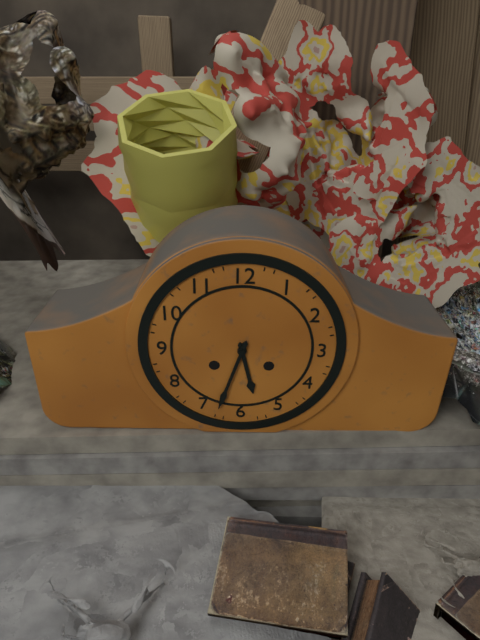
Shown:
**5:33**
